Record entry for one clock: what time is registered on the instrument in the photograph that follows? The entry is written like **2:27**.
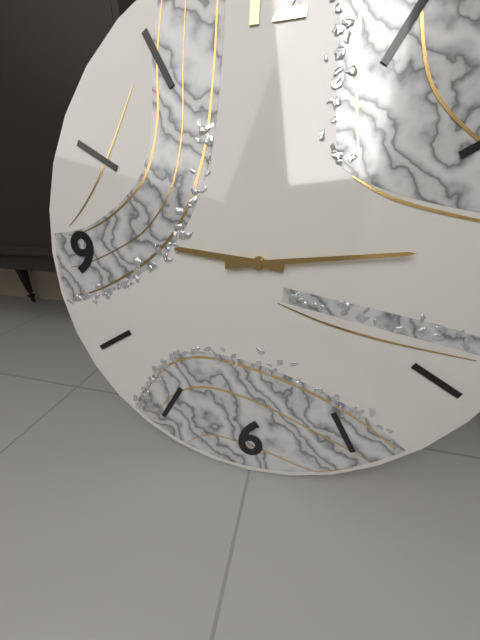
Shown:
**9:14**
